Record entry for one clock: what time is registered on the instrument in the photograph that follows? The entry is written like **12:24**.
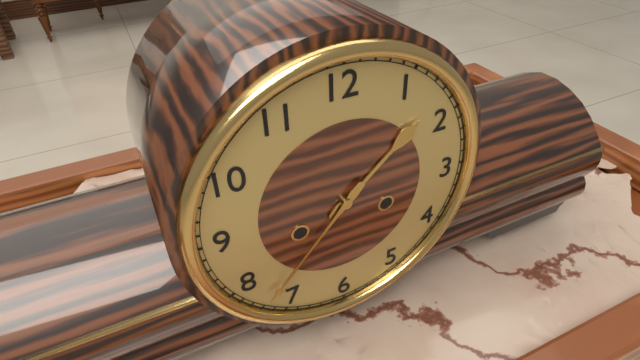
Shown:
**1:37**
